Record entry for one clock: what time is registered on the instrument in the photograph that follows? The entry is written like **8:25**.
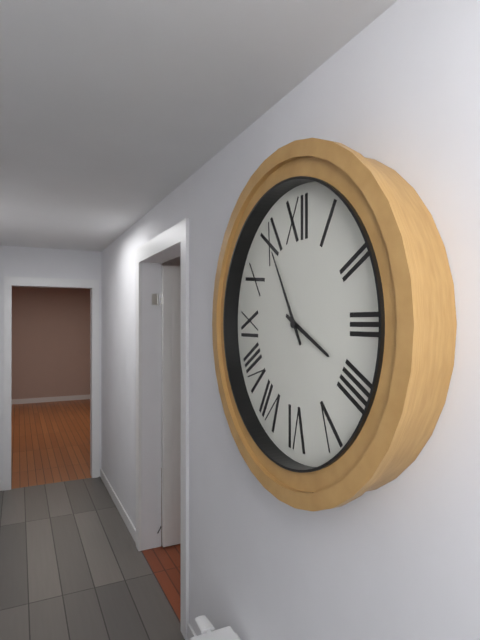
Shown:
**3:55**
